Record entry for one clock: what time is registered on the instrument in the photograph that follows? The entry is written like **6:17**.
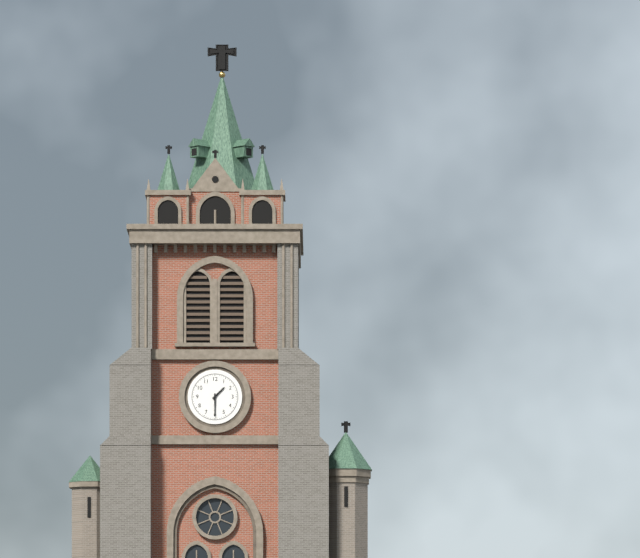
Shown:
**1:30**
